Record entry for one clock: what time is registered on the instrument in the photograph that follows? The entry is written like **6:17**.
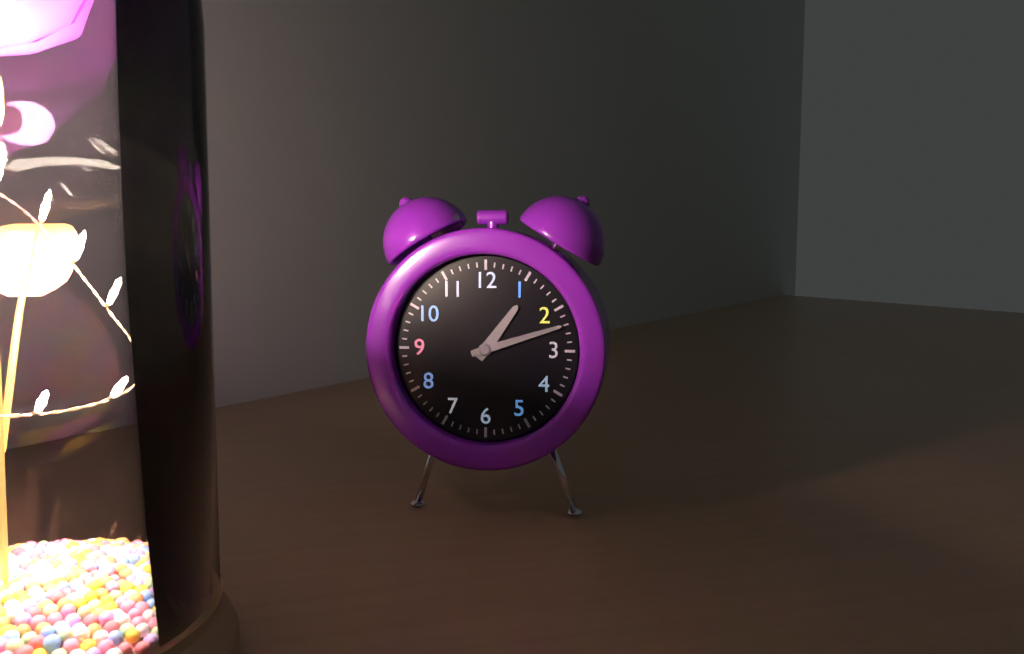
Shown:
**1:12**
